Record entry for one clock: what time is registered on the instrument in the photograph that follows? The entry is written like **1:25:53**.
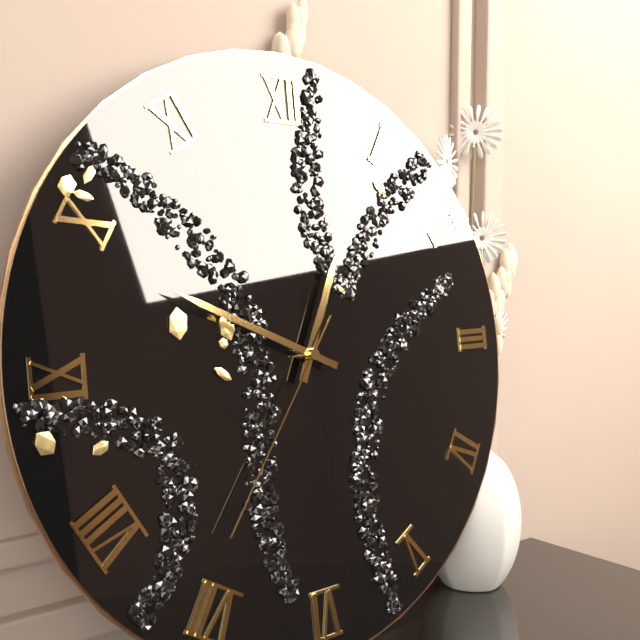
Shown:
**12:49:36**
